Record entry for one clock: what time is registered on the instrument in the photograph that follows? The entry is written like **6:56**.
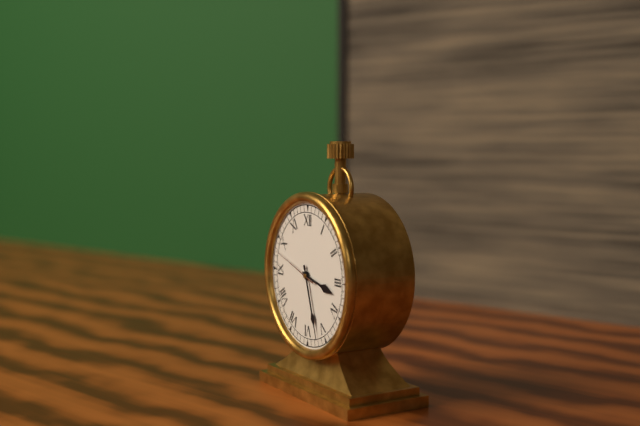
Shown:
**3:27**
